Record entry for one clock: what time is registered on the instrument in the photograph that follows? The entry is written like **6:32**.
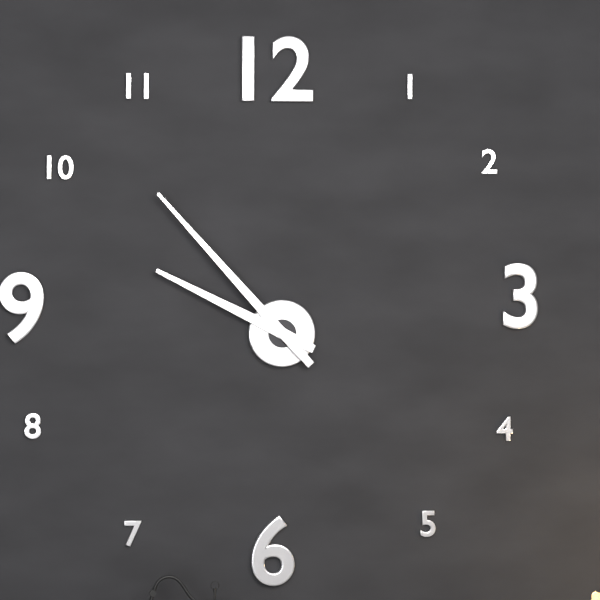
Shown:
**9:53**
